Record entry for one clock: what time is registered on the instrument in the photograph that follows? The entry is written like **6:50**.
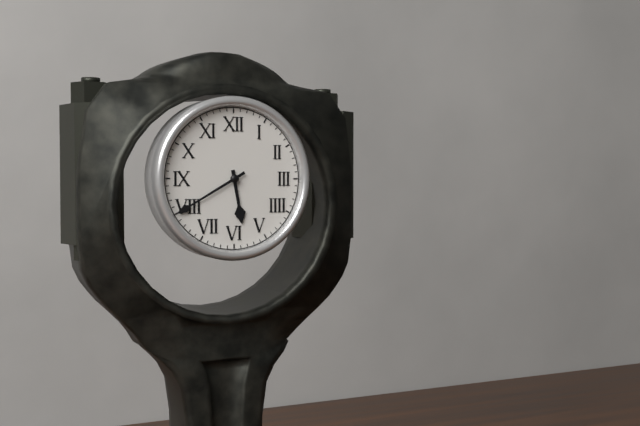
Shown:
**5:40**
